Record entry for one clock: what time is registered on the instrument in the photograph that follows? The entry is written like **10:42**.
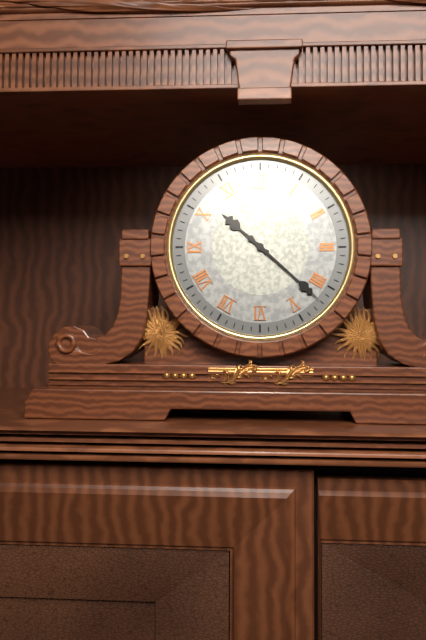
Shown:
**10:22**
